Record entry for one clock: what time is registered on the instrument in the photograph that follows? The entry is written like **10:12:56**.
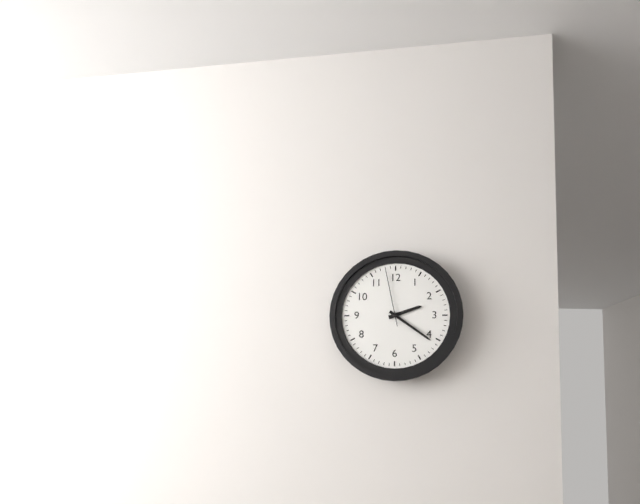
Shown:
**2:21:58**
